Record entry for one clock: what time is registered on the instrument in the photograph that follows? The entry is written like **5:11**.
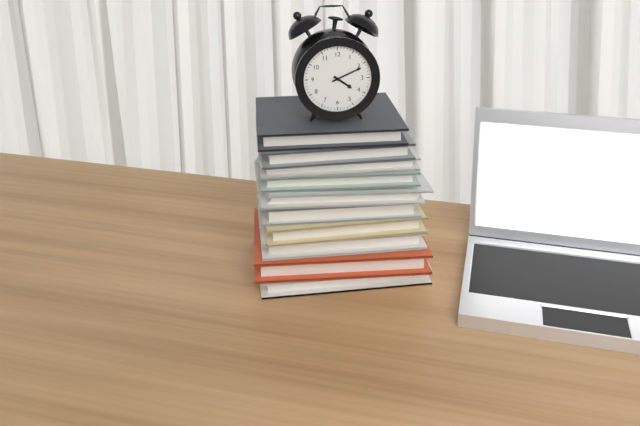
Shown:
**4:11**
